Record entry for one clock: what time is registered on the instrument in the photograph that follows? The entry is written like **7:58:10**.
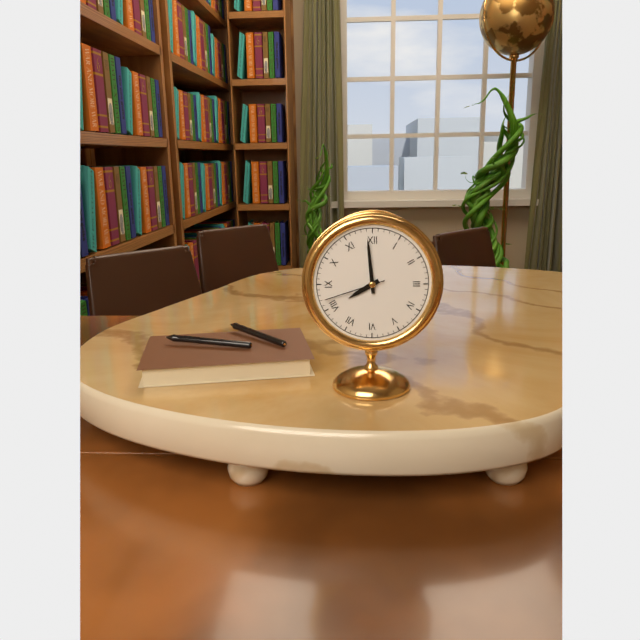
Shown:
**7:59:42**
